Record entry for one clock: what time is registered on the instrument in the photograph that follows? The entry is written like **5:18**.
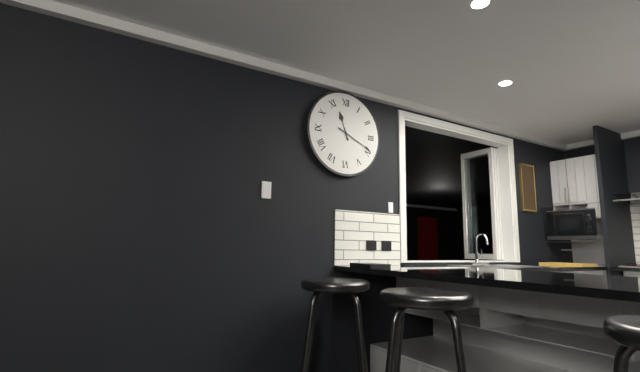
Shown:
**11:19**
